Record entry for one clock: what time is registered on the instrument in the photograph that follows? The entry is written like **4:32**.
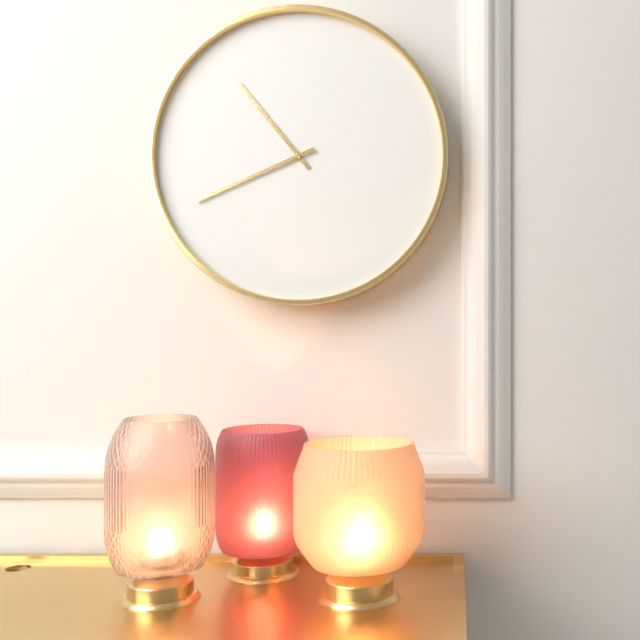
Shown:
**10:41**
